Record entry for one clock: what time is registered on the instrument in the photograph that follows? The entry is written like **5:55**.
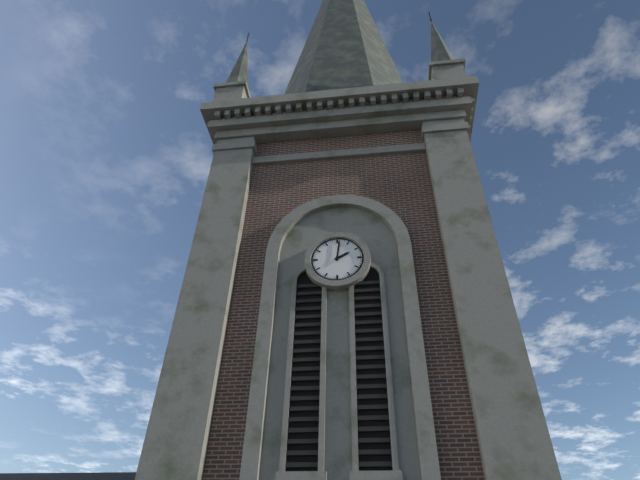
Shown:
**2:01**
